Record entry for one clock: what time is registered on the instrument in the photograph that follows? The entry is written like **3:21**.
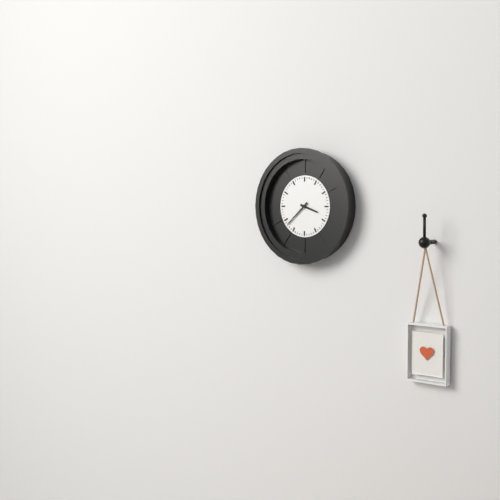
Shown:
**3:38**
